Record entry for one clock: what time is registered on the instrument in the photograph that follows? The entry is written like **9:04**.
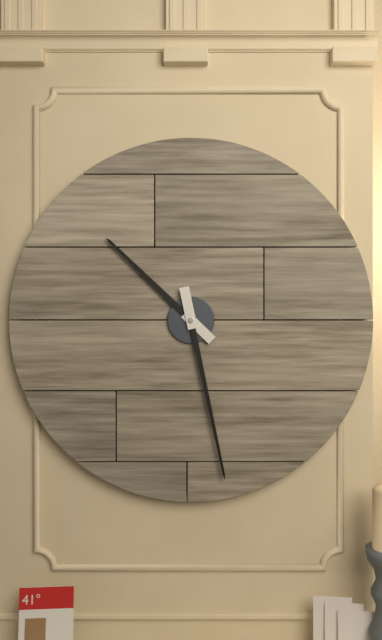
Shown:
**10:28**
